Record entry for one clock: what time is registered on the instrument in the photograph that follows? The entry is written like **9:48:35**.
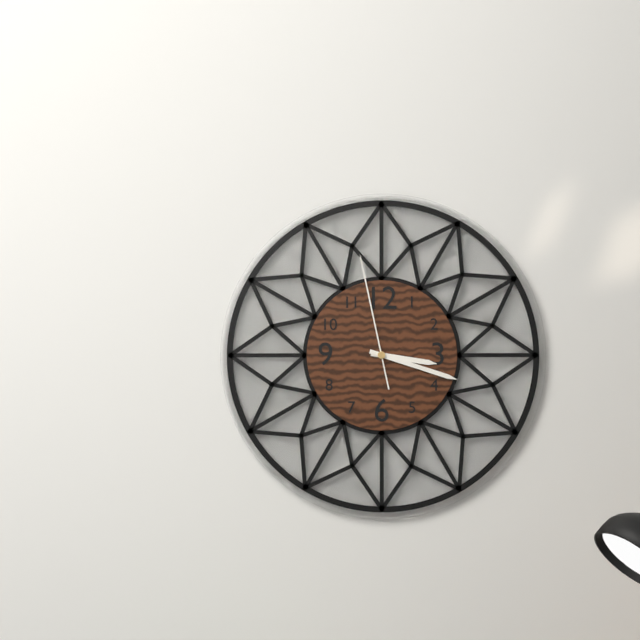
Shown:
**3:18:58**
